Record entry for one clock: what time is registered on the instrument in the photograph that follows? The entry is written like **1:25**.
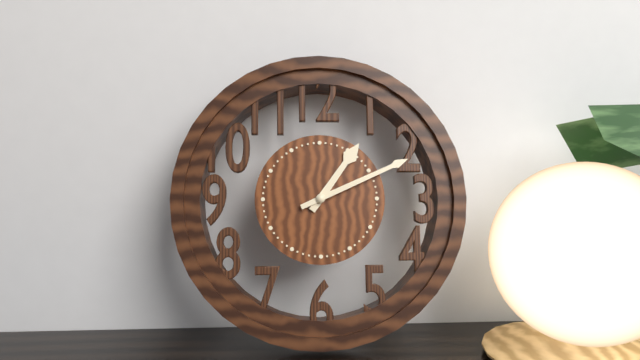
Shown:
**1:11**
